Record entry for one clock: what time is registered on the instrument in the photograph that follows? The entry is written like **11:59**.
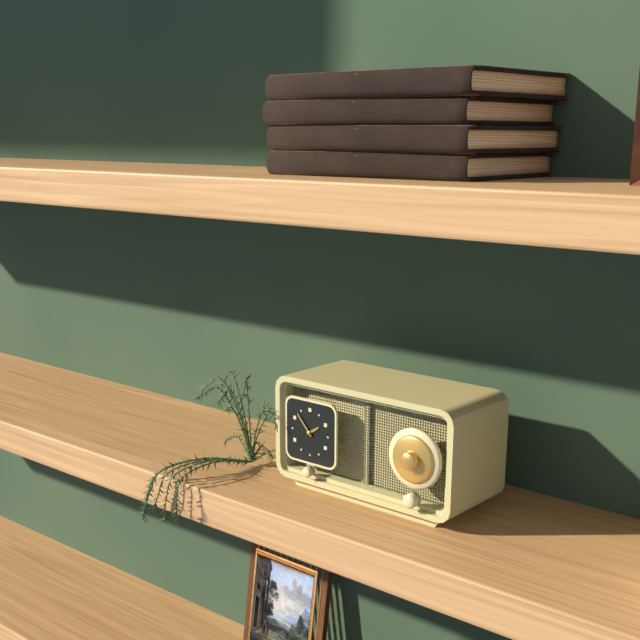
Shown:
**1:53**
